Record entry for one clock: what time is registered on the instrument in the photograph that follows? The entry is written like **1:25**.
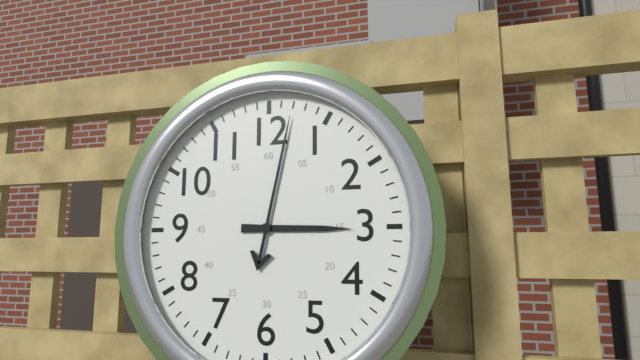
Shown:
**3:02**
